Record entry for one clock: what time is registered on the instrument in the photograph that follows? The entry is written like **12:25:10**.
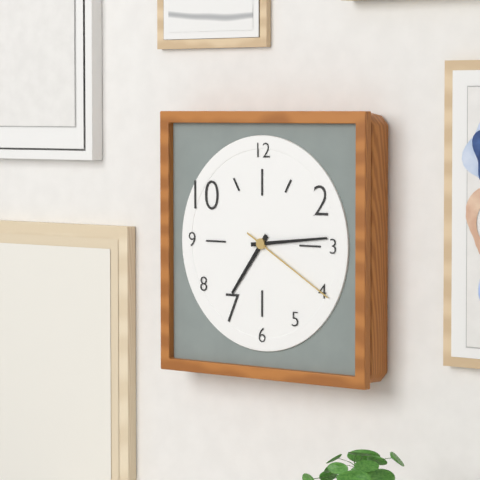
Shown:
**7:14:20**
